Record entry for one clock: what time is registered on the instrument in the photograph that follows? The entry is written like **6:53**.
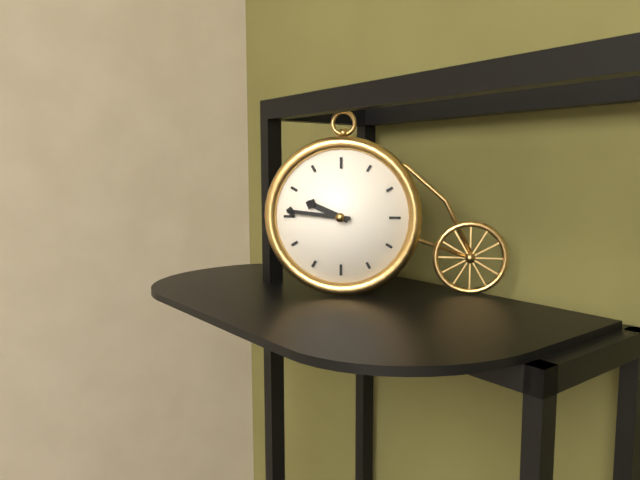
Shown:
**9:46**
